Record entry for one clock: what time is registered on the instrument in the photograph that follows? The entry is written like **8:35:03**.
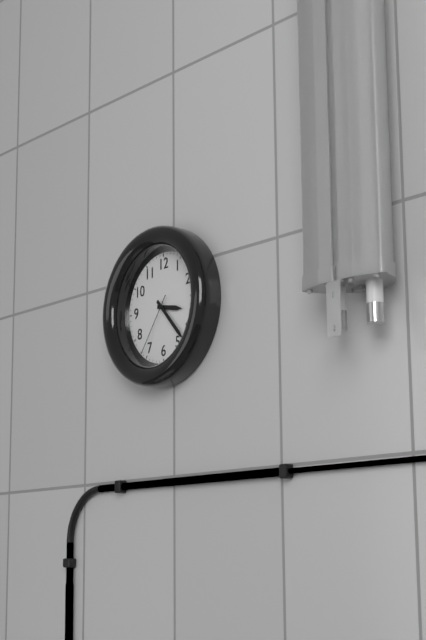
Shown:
**3:23:36**
